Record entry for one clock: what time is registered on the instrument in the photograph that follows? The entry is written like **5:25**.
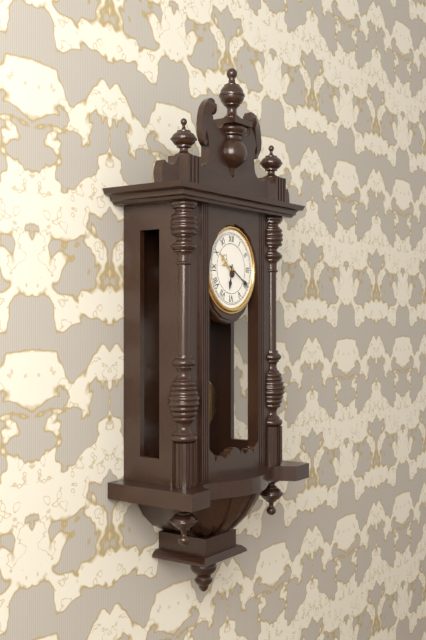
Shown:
**6:20**
